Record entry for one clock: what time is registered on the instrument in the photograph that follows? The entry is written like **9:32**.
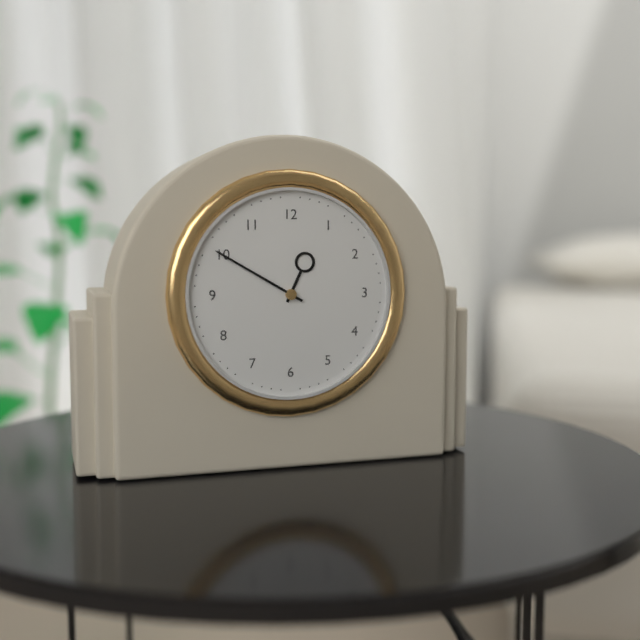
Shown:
**12:50**
